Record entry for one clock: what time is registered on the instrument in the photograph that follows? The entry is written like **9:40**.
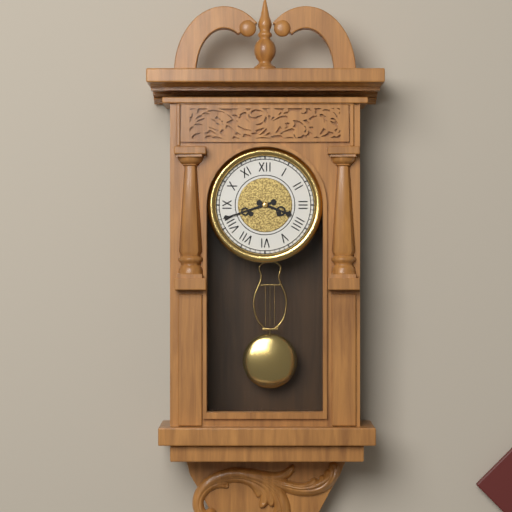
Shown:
**3:42**
